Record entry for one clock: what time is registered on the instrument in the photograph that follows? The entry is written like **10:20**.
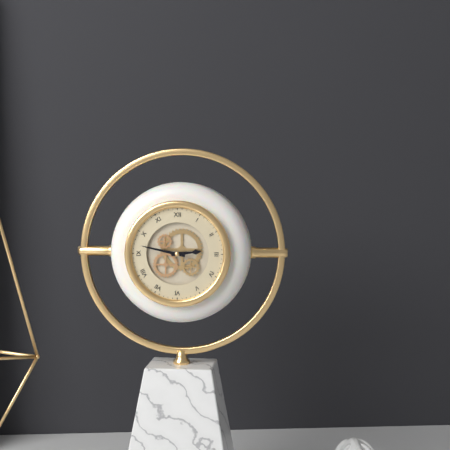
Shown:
**2:47**
